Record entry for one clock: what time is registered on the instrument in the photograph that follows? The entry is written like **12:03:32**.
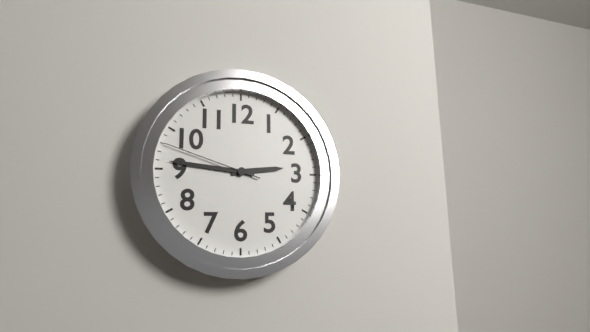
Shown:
**2:46:48**
